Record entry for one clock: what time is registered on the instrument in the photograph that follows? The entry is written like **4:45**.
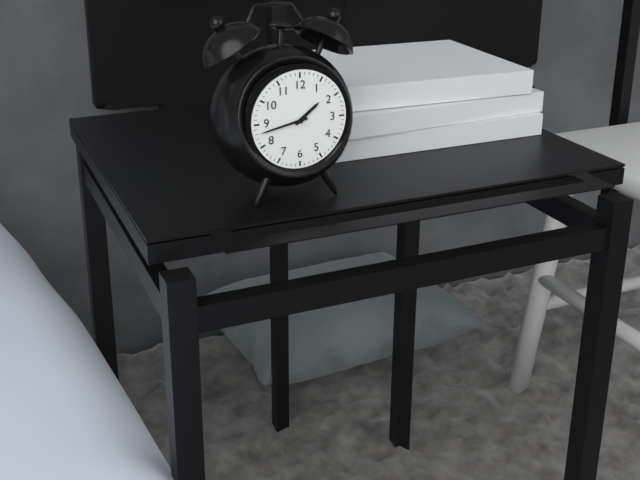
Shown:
**1:43**
